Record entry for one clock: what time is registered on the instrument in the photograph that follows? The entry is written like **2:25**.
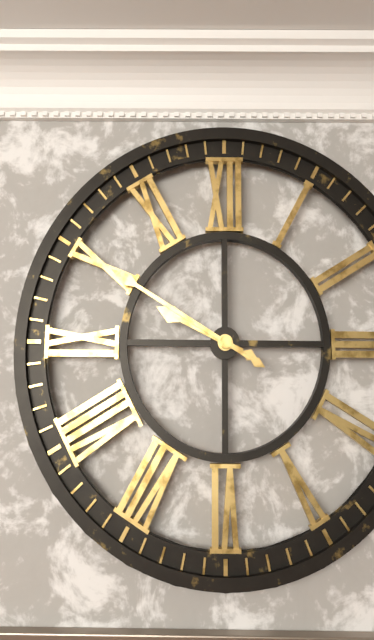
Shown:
**9:50**
